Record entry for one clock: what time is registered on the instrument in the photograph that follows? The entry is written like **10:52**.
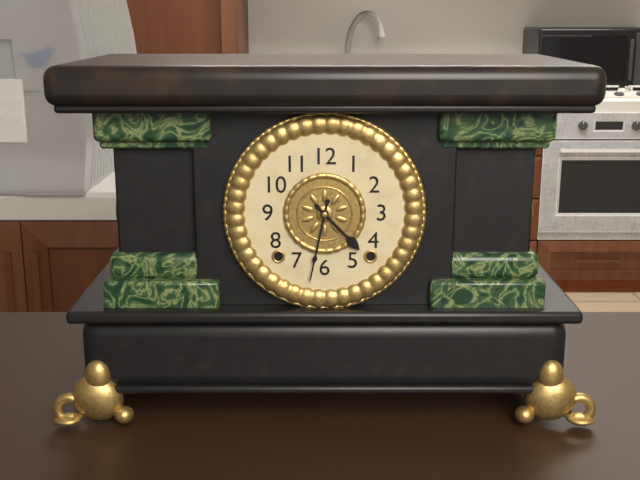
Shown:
**4:32**
